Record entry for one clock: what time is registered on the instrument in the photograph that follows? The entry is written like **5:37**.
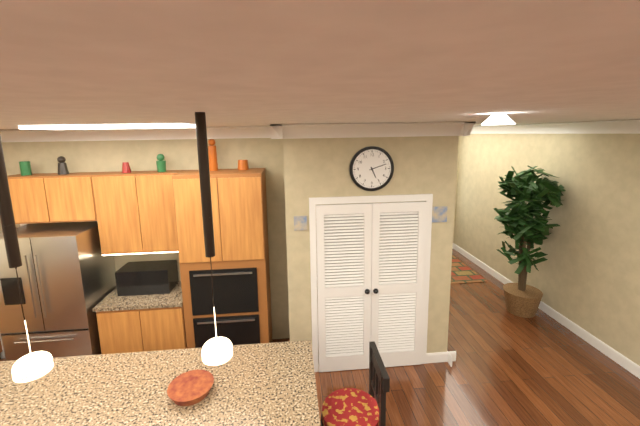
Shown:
**5:12**
